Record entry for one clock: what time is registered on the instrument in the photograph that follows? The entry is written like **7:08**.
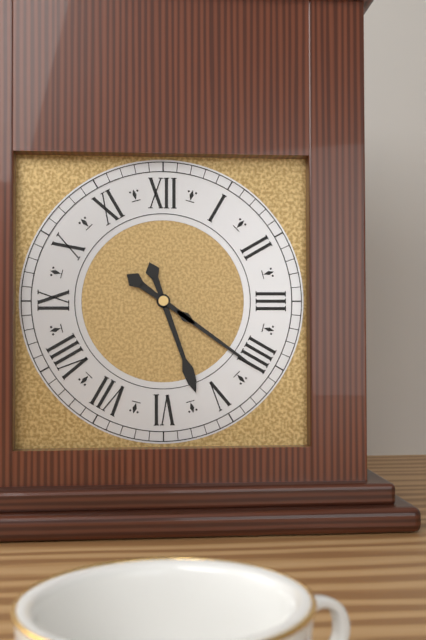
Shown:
**5:21**
